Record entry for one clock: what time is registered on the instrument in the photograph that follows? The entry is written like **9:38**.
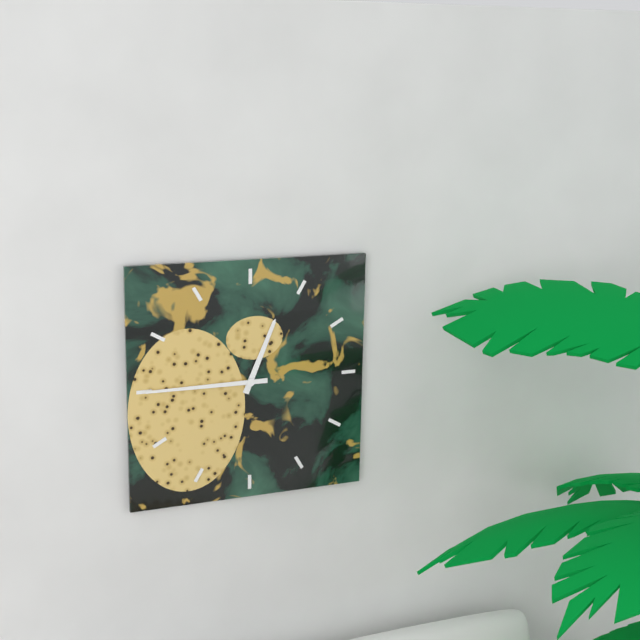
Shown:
**12:45**
